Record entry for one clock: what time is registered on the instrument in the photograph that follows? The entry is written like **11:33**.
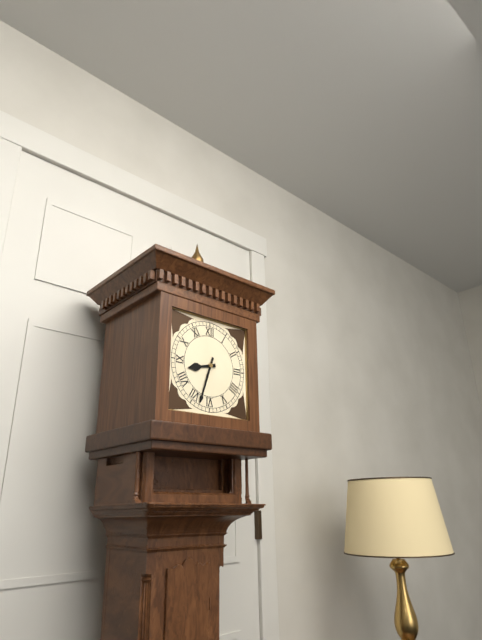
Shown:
**8:33**
